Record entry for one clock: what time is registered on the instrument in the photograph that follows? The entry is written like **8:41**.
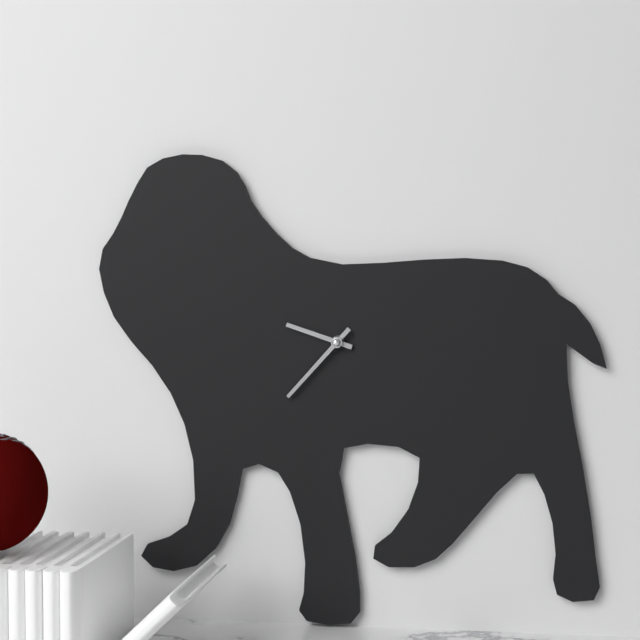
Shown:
**9:37**
